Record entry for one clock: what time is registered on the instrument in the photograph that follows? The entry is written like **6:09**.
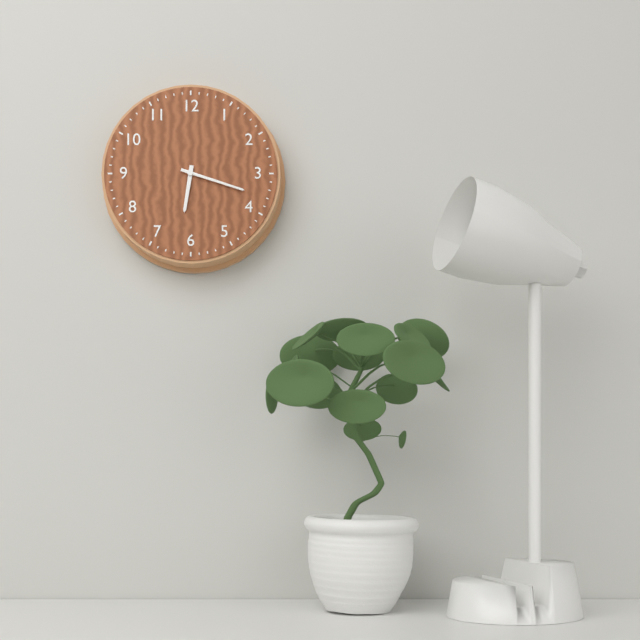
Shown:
**6:18**
